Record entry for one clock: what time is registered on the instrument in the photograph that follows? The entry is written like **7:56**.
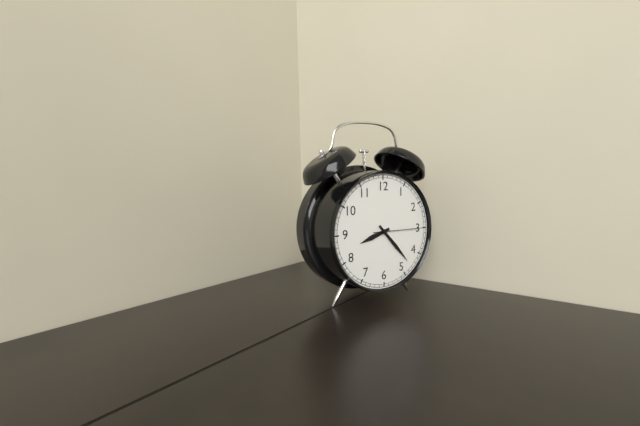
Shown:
**8:23**
